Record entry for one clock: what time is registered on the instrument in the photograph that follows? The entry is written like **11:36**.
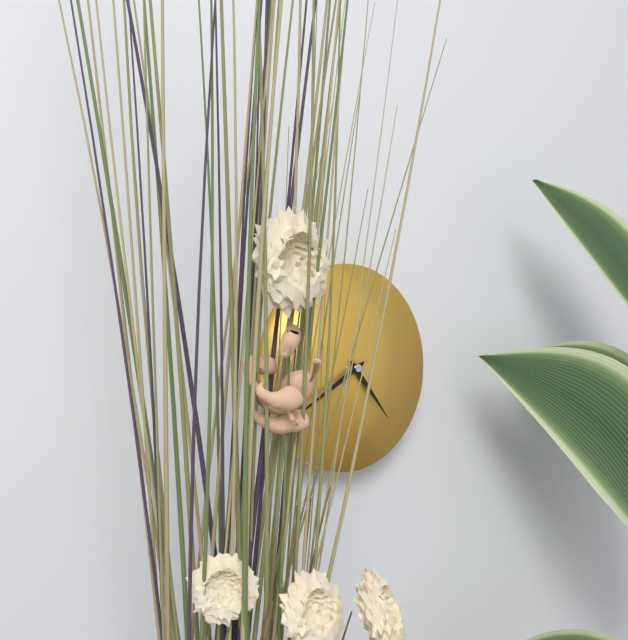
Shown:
**4:40**
